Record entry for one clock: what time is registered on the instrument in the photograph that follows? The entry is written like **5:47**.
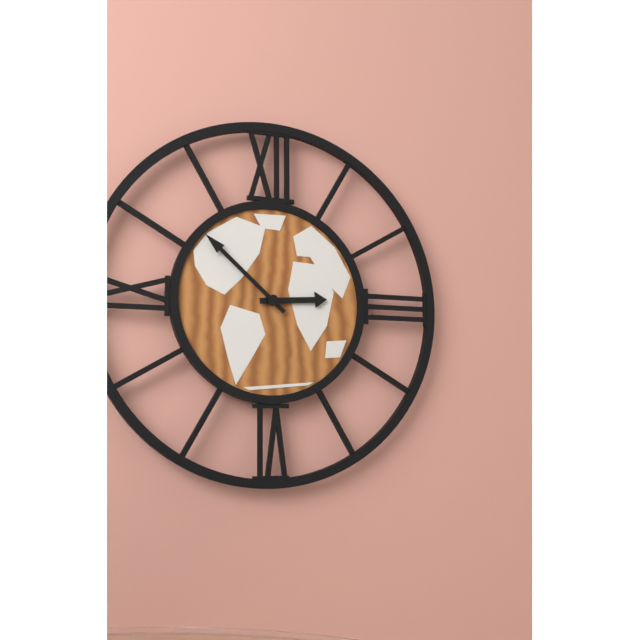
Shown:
**2:52**
